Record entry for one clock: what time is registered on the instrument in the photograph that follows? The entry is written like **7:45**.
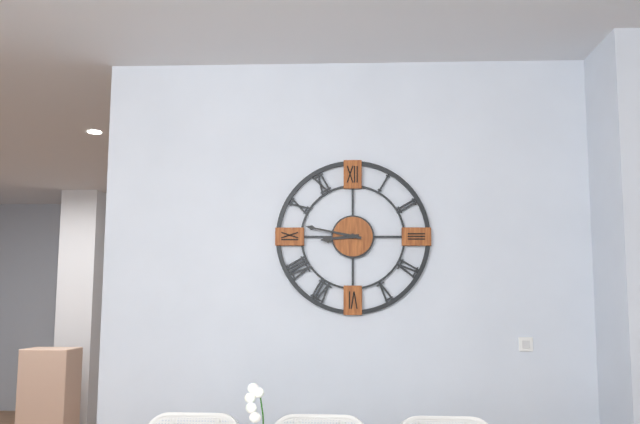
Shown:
**8:47**
